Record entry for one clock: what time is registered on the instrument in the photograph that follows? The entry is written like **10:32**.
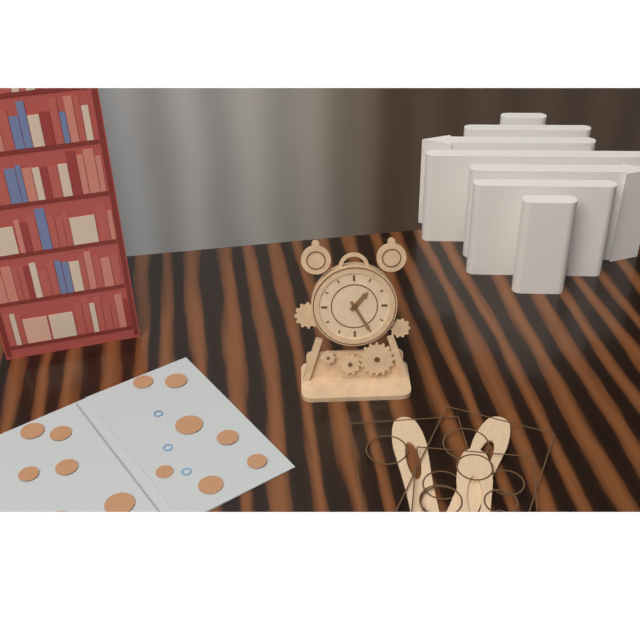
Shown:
**1:25**
